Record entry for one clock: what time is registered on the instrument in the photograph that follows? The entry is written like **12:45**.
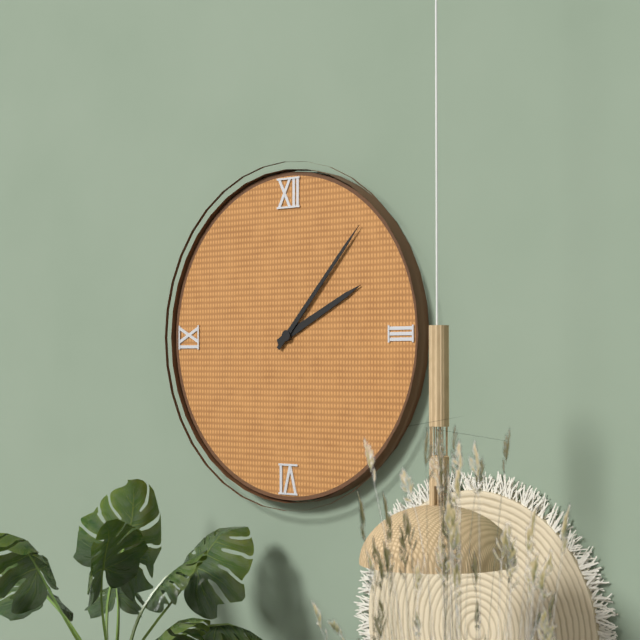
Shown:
**2:07**
